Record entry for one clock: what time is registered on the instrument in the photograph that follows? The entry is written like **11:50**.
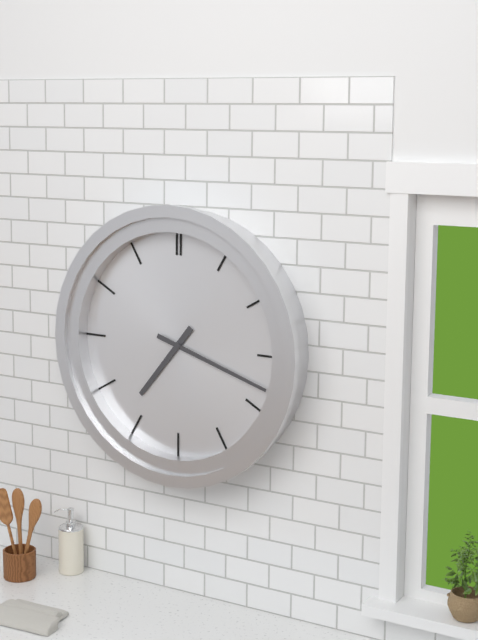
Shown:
**7:18**
